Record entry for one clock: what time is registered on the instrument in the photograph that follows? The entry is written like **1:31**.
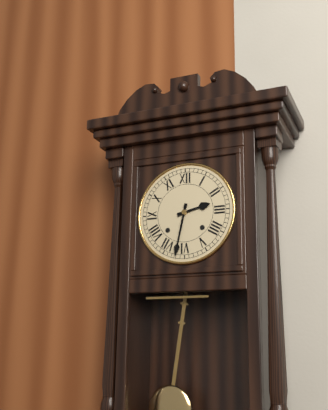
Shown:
**2:32**
